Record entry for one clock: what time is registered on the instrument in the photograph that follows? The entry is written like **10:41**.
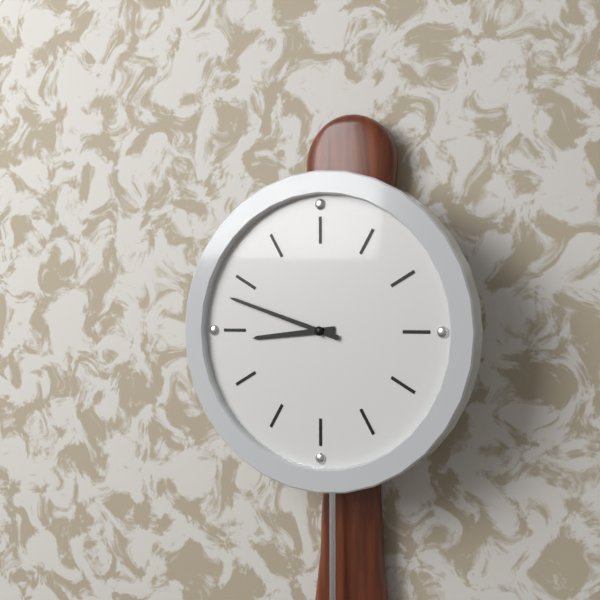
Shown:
**8:48**
